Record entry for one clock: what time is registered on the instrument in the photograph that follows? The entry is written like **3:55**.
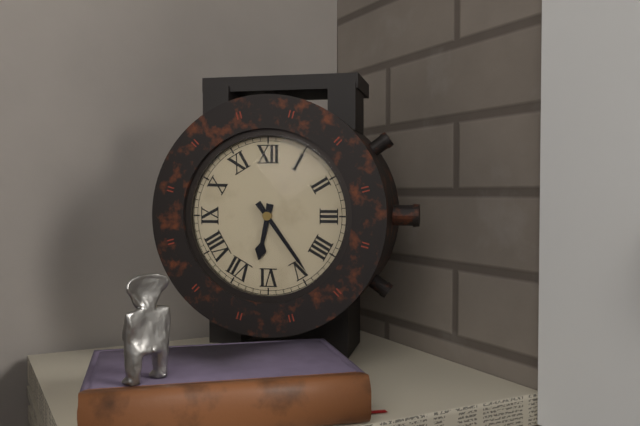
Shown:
**6:24**
